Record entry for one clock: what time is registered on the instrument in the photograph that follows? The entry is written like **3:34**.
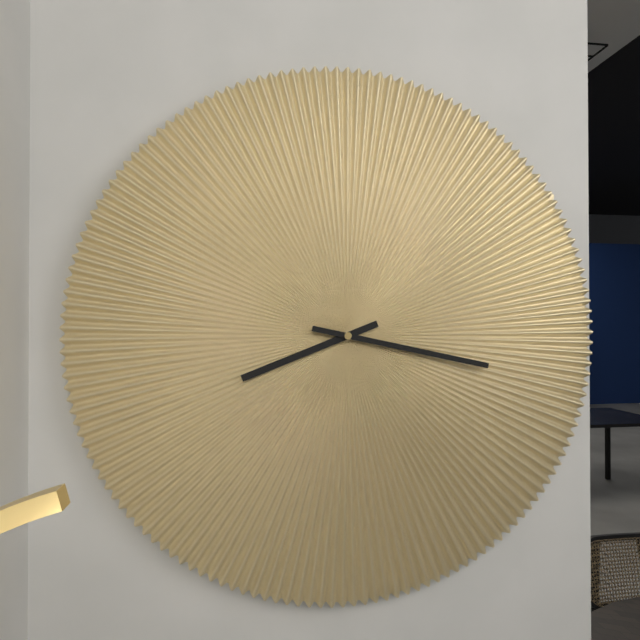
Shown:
**8:17**
